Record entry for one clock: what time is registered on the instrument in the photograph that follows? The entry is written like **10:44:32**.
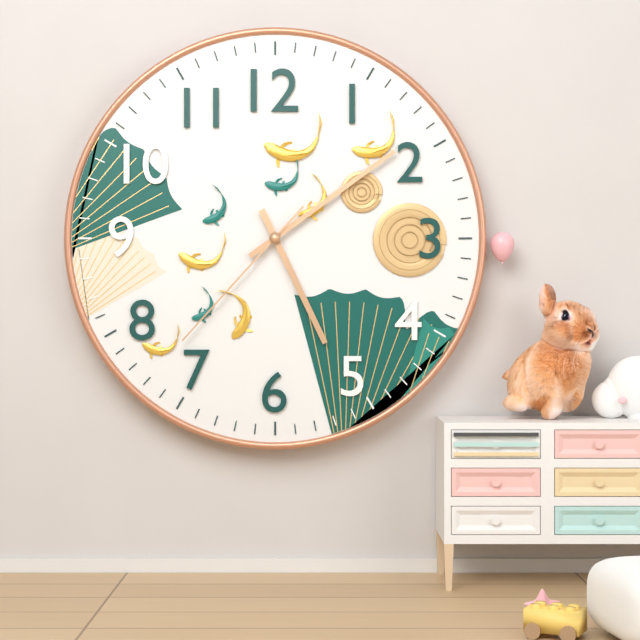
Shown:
**5:09:37**
